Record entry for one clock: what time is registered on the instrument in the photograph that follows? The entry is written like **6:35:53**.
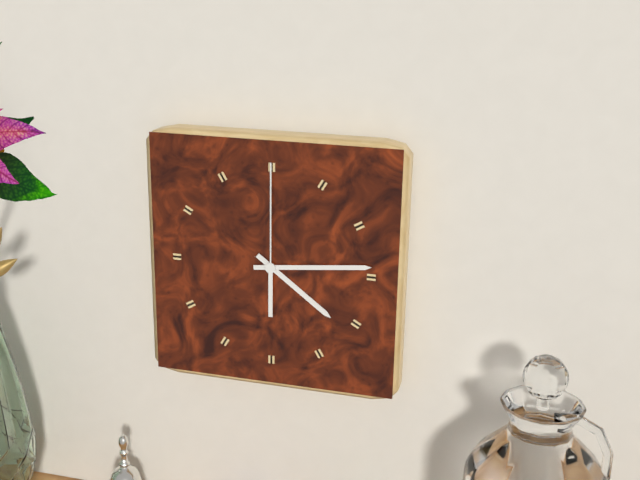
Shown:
**4:14:00**
